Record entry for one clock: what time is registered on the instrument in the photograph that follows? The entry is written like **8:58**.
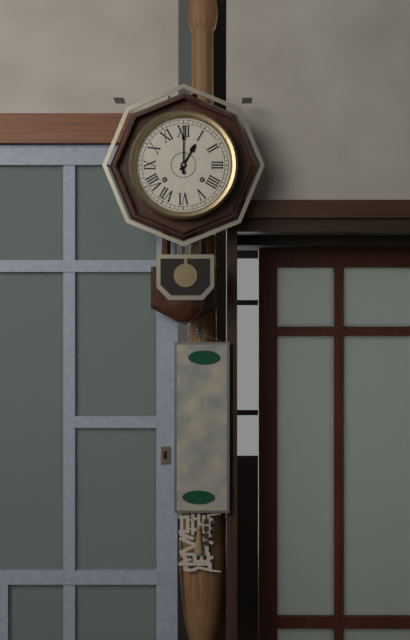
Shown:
**1:00**
